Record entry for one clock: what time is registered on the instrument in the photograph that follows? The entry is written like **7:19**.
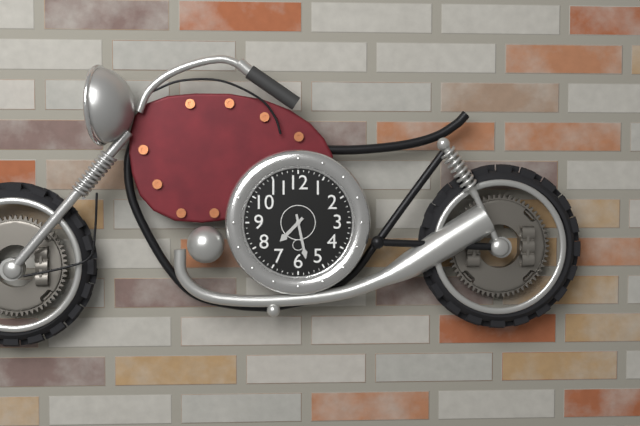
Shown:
**7:28**
